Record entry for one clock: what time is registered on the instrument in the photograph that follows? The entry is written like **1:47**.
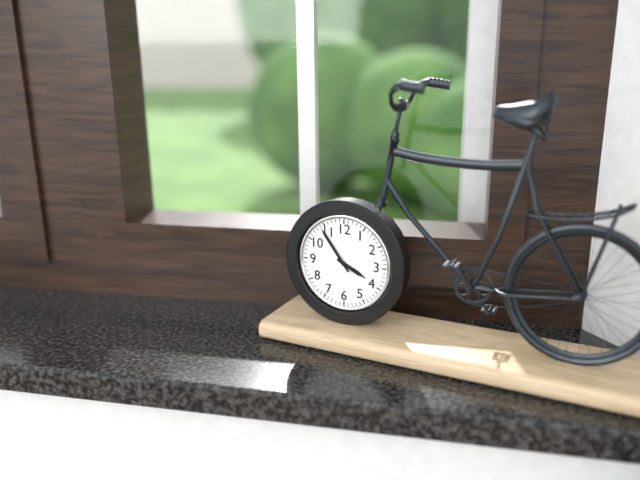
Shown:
**3:54**
